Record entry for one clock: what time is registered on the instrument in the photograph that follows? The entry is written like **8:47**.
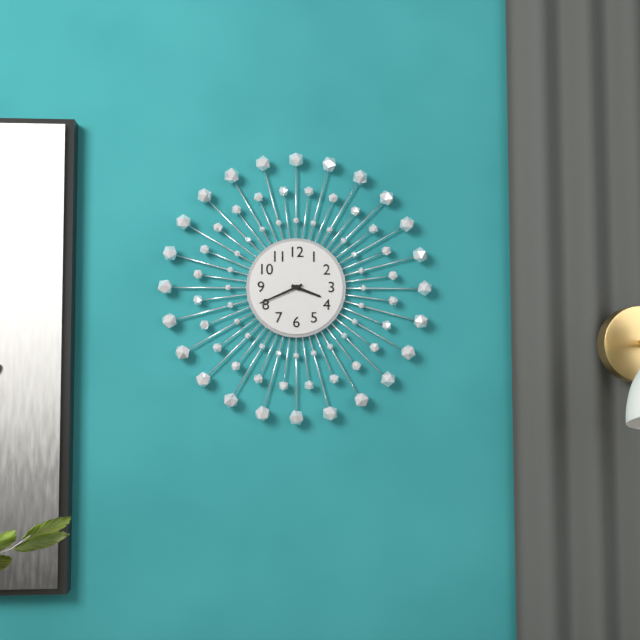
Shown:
**3:41**
